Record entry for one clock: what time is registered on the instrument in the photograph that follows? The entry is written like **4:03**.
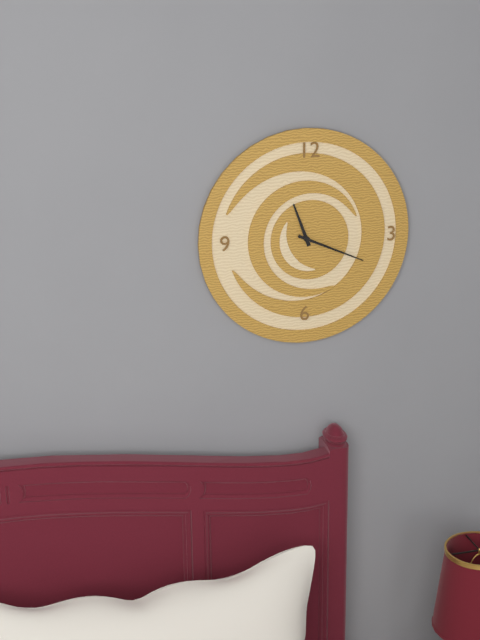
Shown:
**11:19**
